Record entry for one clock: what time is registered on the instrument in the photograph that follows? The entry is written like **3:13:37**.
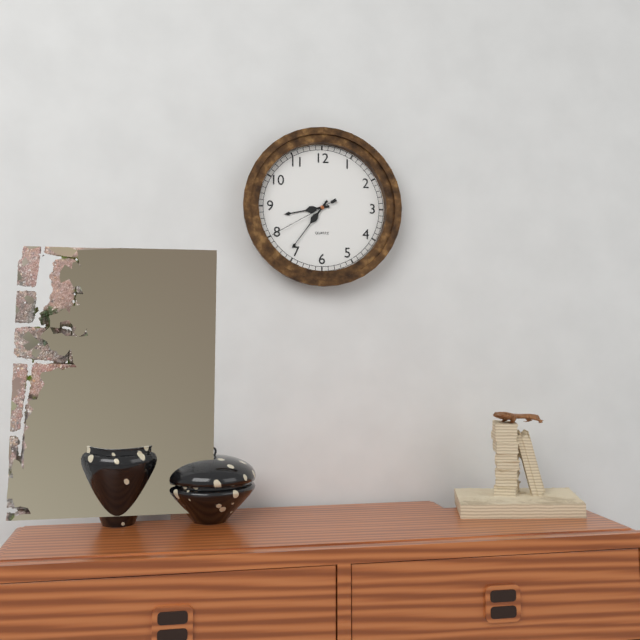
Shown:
**8:36:40**
